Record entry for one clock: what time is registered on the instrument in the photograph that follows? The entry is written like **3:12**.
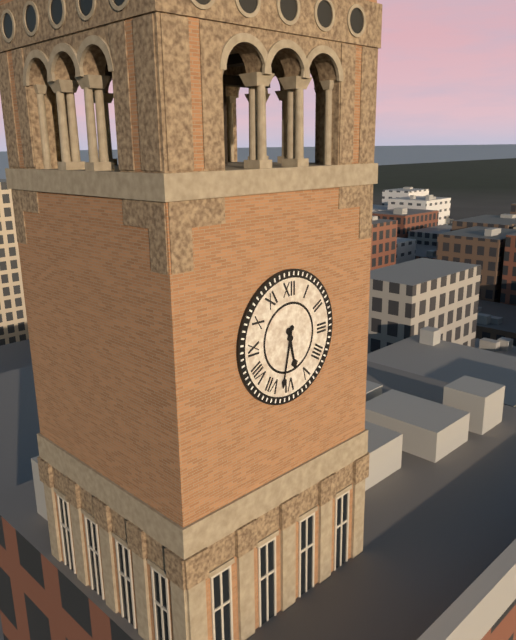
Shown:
**5:32**
